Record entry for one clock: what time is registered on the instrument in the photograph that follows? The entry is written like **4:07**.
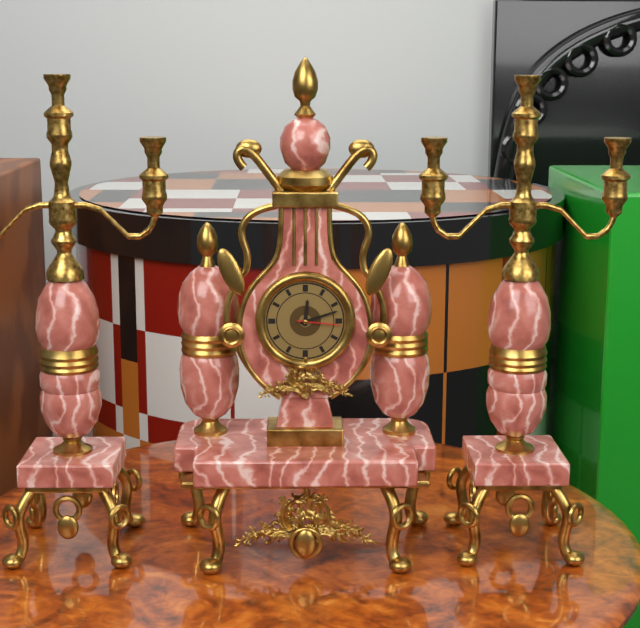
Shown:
**12:12**
